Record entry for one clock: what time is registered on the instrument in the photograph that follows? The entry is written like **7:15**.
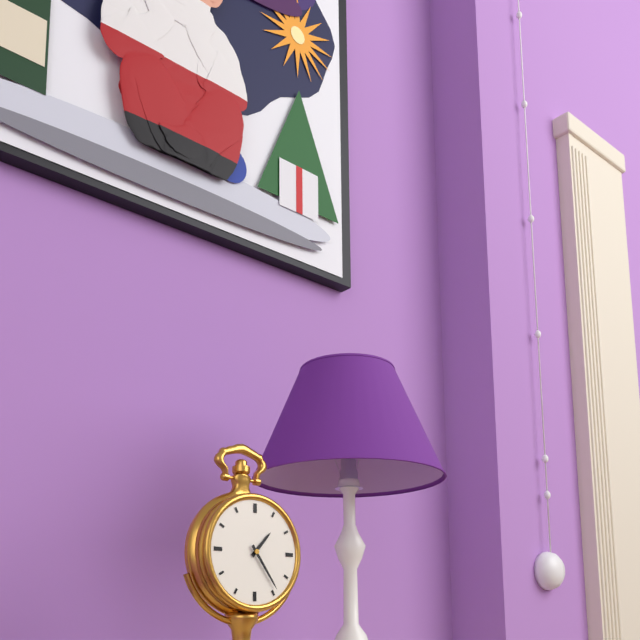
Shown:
**1:24**
